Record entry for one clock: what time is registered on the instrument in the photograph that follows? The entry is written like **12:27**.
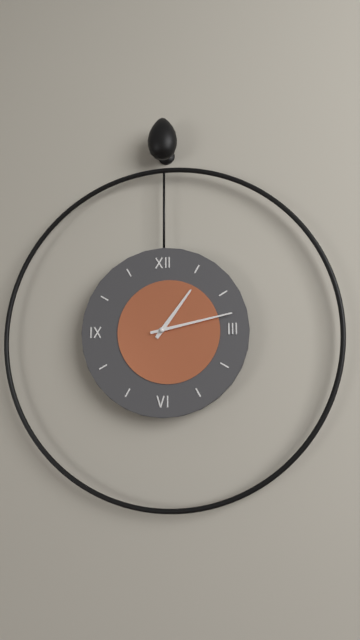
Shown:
**1:13**
